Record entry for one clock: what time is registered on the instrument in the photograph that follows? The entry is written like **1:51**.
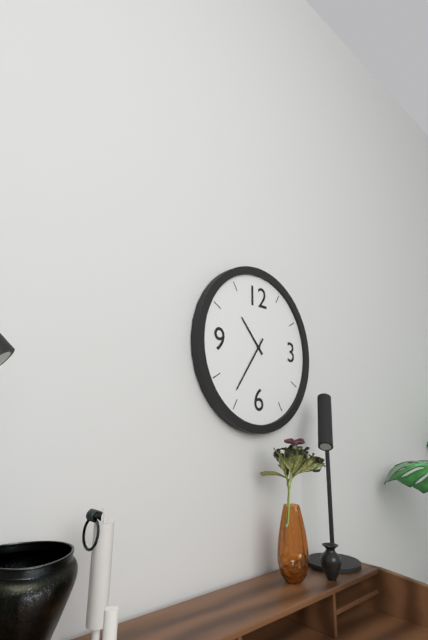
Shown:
**10:36**
